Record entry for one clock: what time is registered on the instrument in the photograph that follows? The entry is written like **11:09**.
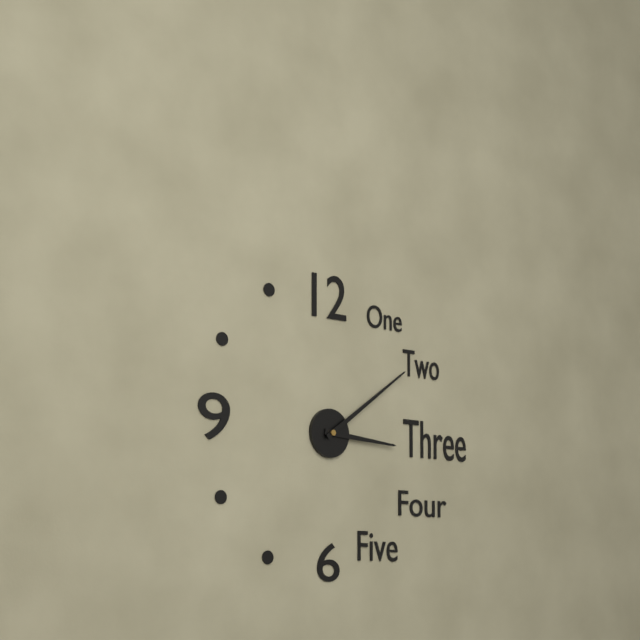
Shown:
**3:09**
